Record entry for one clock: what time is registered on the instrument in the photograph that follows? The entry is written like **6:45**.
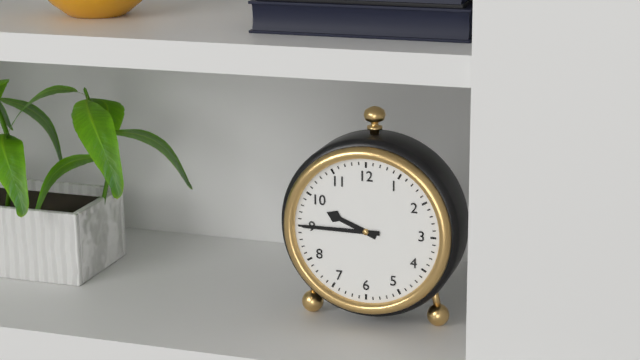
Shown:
**9:45**
